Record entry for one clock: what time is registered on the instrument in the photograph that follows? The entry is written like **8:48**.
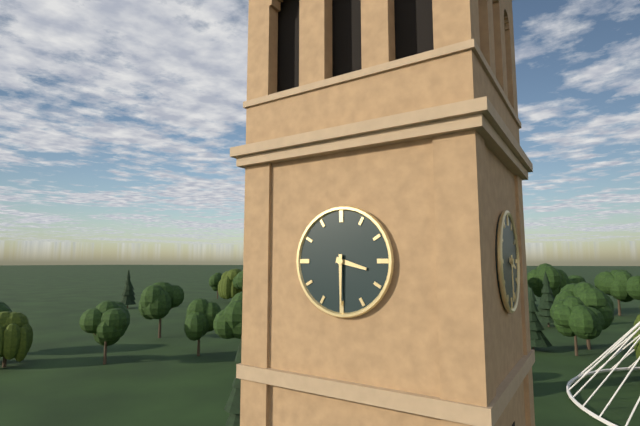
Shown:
**3:30**
